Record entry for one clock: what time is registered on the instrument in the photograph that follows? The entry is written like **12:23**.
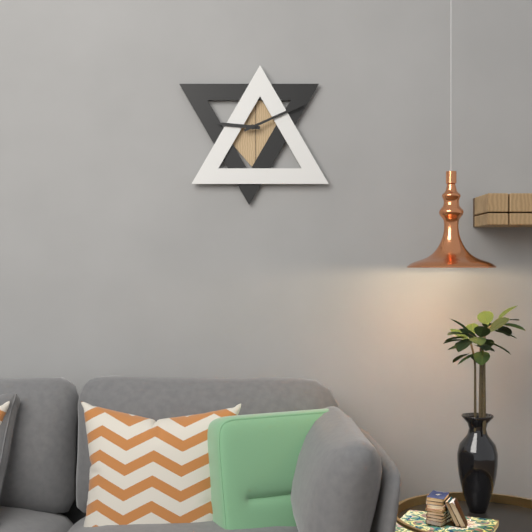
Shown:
**9:11**
